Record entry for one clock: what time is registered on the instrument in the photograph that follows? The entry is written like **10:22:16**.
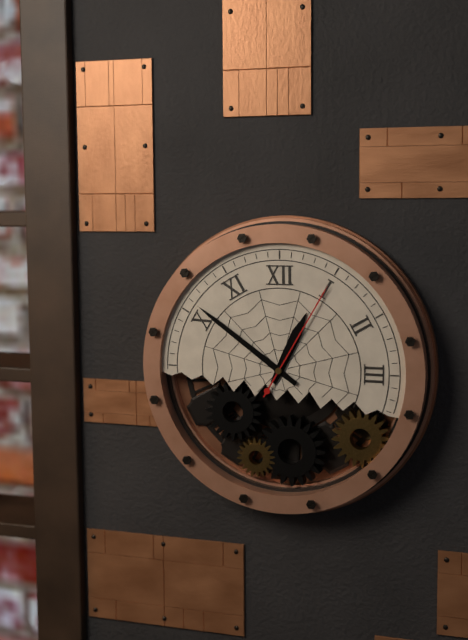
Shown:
**12:51:05**
